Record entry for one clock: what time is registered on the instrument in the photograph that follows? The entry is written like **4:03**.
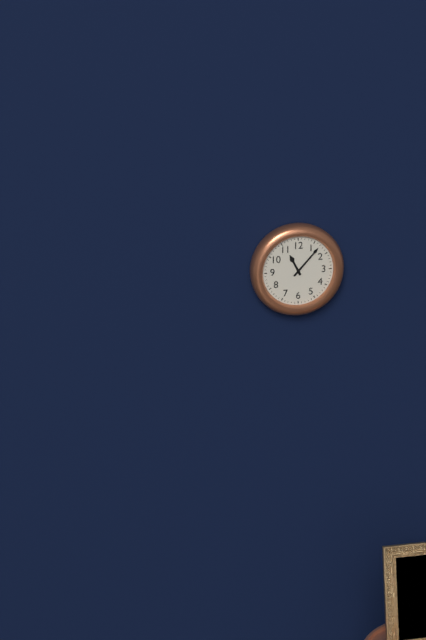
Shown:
**11:07**
